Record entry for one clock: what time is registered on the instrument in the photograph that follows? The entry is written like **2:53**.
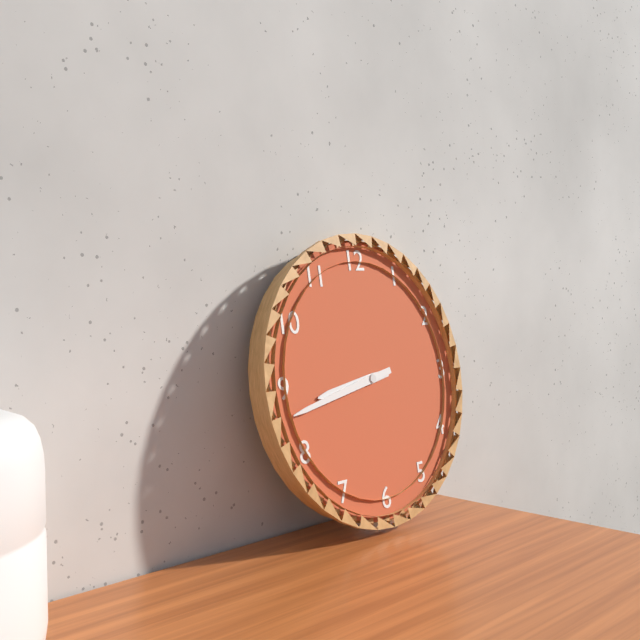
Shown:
**8:43**
